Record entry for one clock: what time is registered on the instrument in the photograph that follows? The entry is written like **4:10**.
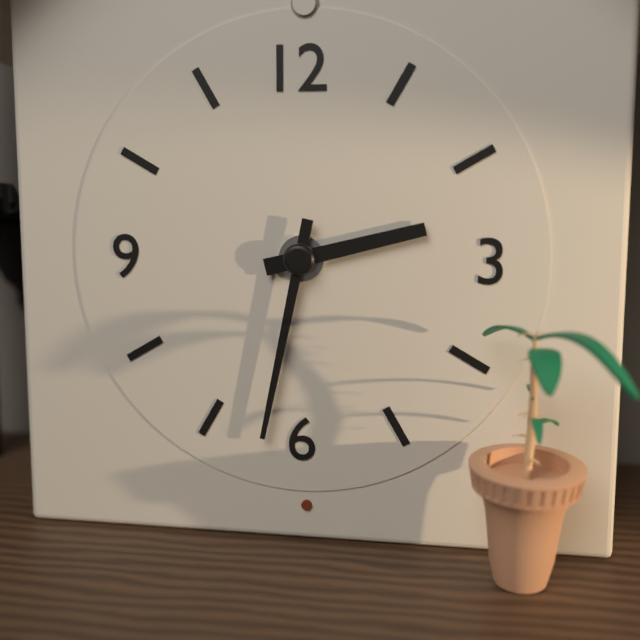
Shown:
**2:32**
